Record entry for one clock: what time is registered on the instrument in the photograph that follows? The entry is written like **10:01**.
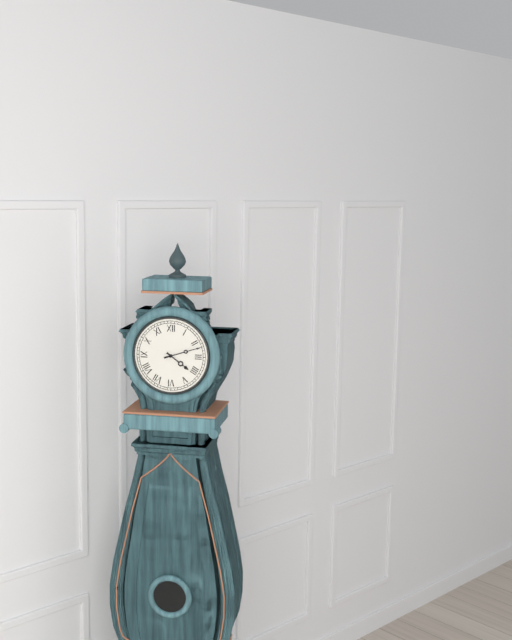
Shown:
**4:12**
